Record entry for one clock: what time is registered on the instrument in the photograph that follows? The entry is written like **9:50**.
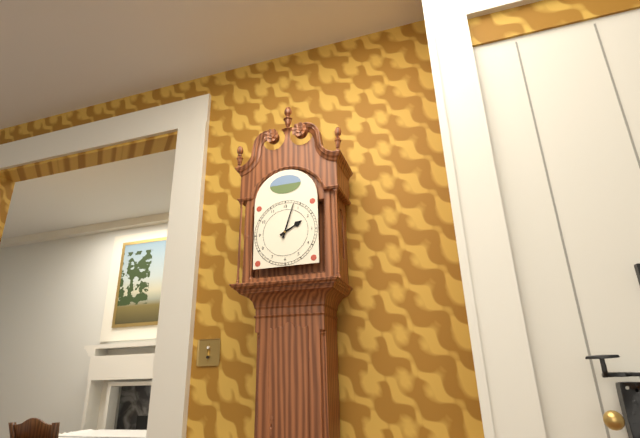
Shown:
**2:03**
